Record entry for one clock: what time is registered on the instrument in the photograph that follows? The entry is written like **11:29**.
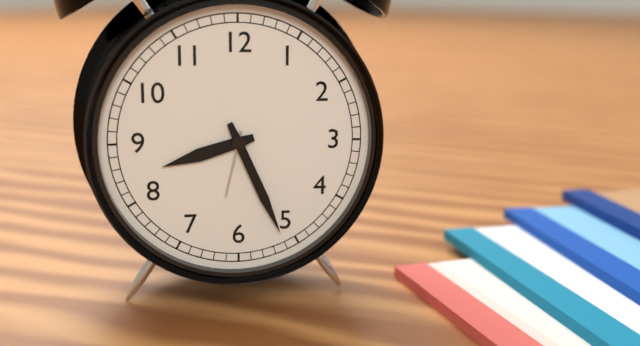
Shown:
**8:26**
